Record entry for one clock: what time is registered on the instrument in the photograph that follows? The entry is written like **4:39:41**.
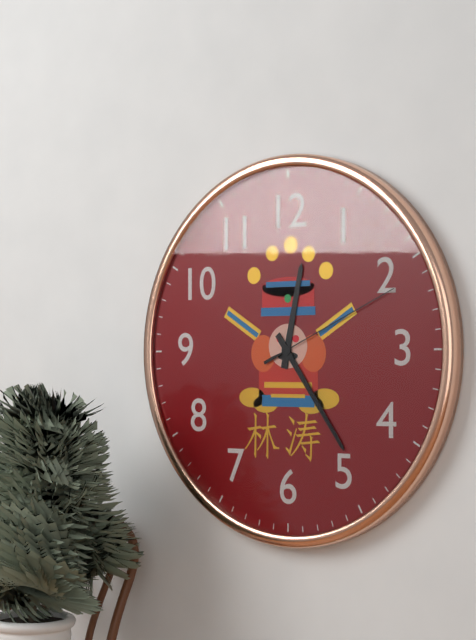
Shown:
**12:24:11**
